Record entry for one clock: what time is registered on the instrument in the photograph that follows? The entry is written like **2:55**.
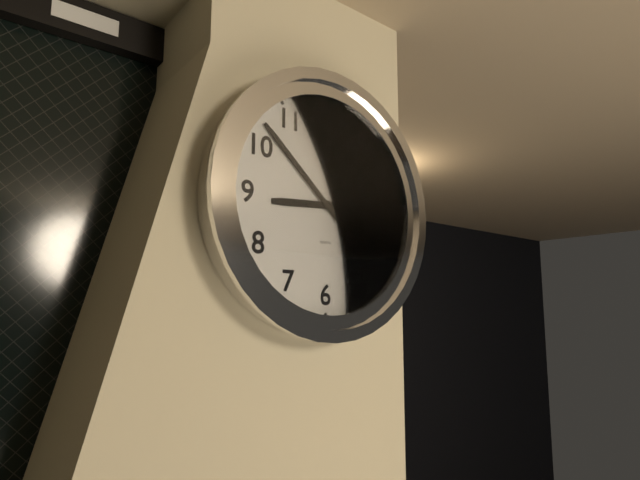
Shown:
**8:52**
